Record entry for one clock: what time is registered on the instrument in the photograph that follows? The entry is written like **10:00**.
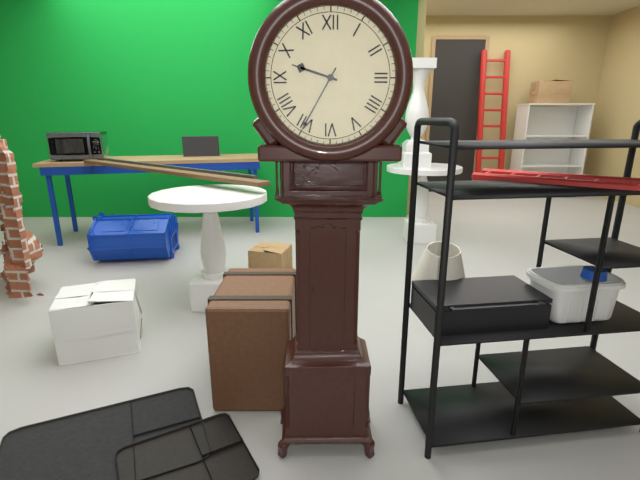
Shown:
**9:35**
